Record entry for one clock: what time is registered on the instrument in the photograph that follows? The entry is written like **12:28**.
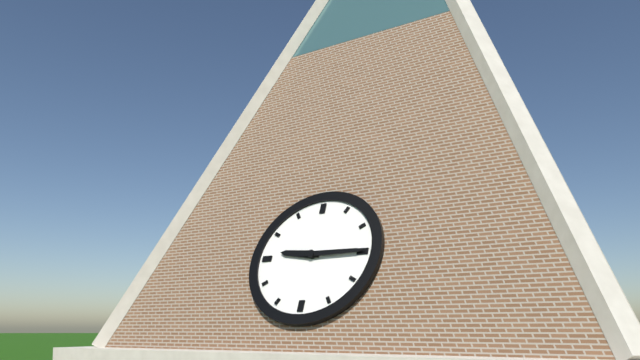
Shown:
**9:15**
